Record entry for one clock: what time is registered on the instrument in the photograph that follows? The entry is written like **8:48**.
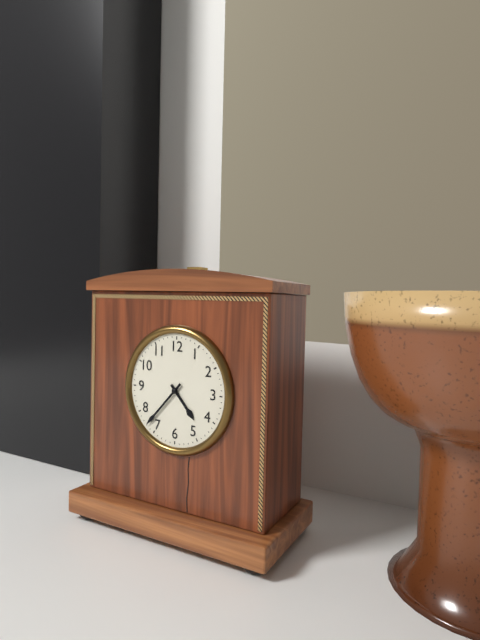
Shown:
**4:37**
